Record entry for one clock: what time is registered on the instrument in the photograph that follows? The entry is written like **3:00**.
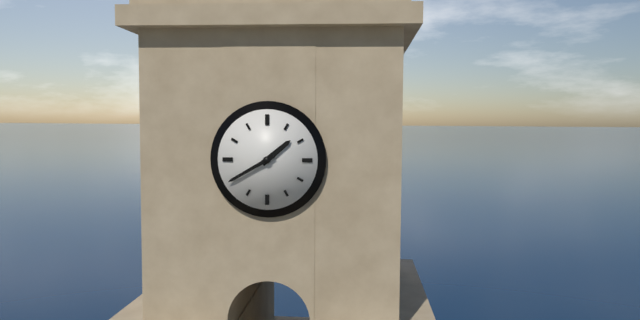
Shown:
**1:40**
